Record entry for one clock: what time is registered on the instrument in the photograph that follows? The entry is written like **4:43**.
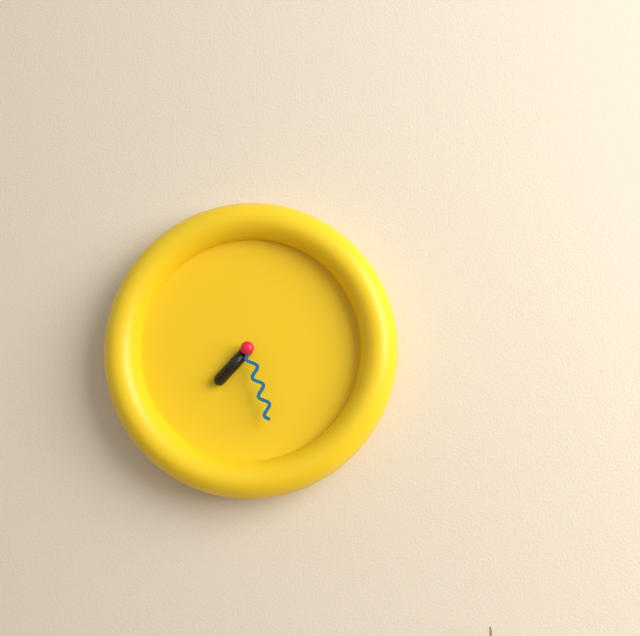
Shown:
**7:27**
